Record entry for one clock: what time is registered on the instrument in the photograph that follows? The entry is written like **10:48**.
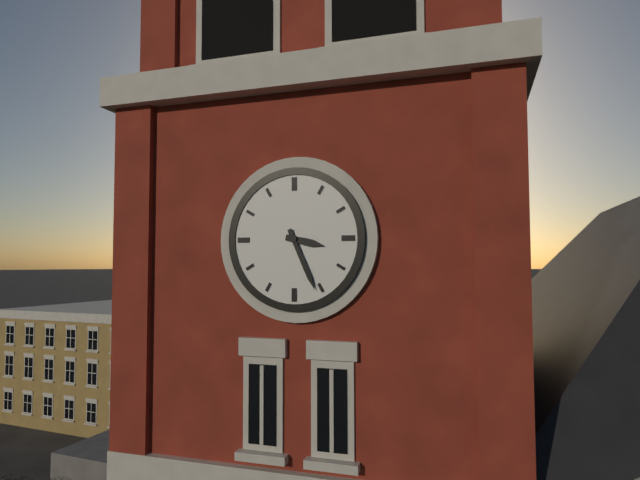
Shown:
**3:26**
